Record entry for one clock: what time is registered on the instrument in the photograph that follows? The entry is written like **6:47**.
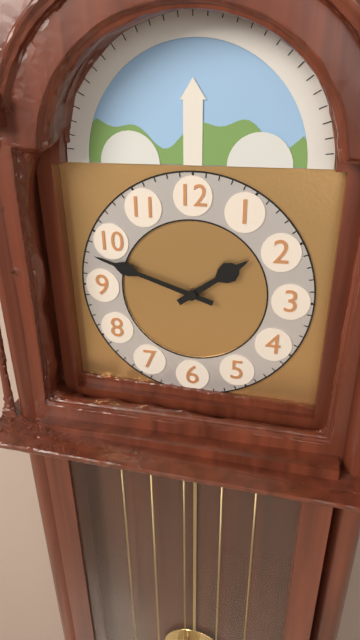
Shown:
**1:48**
